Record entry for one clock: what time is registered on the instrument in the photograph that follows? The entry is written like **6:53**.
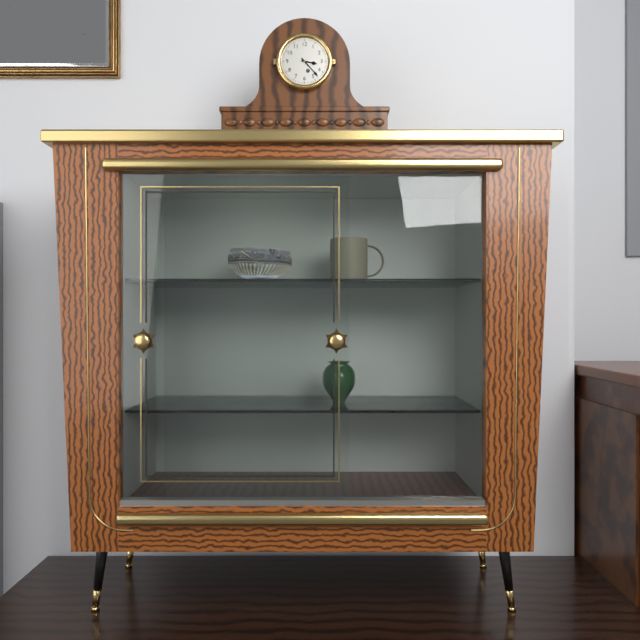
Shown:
**3:23**
